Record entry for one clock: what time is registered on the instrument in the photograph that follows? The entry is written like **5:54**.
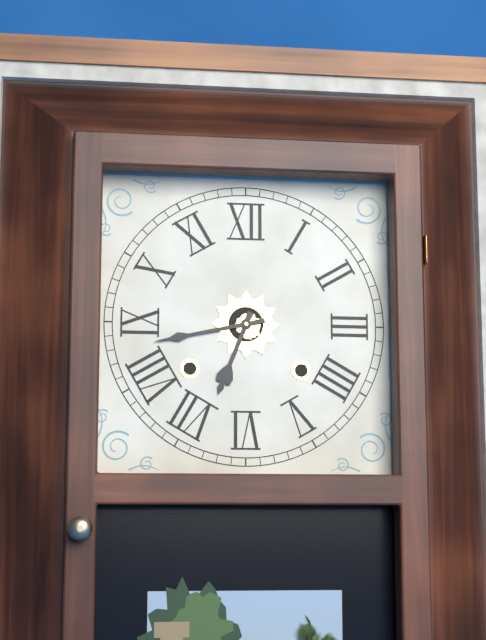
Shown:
**6:43**
